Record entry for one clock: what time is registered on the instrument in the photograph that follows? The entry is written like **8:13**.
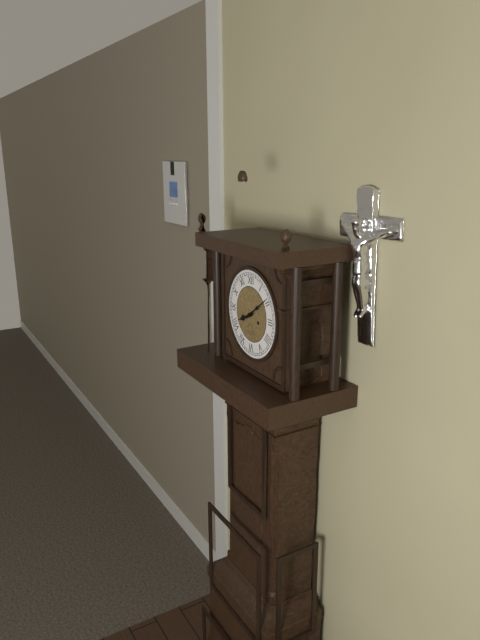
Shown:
**8:09**
